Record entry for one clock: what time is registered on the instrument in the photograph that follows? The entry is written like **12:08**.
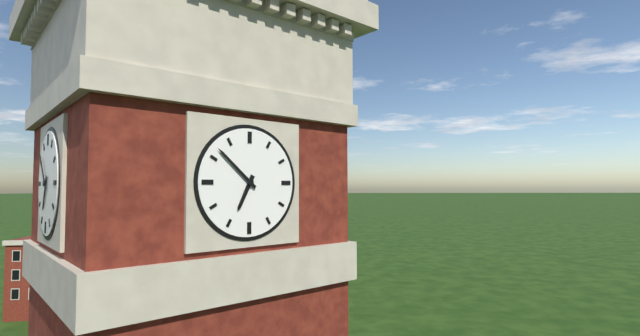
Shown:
**6:52**
